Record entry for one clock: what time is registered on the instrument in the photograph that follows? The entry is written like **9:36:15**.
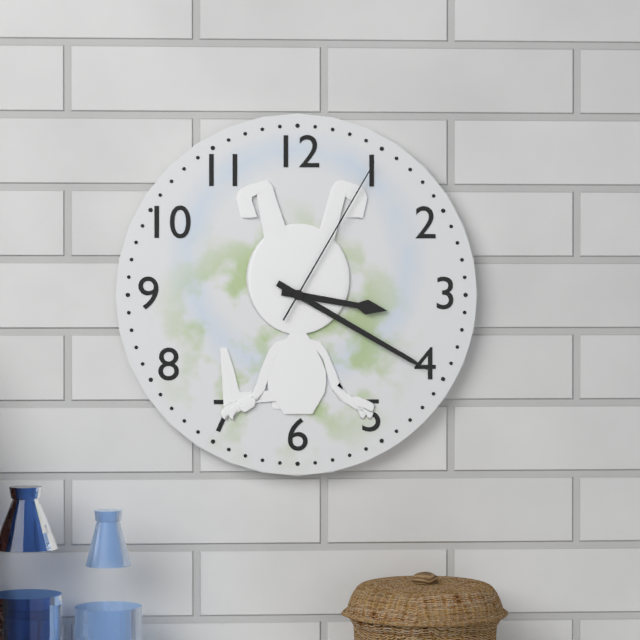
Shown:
**3:20:05**
